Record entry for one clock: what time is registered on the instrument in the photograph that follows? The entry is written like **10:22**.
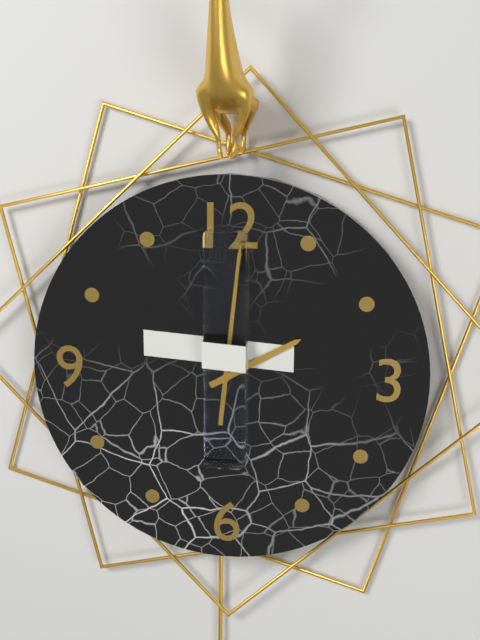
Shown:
**2:01**
